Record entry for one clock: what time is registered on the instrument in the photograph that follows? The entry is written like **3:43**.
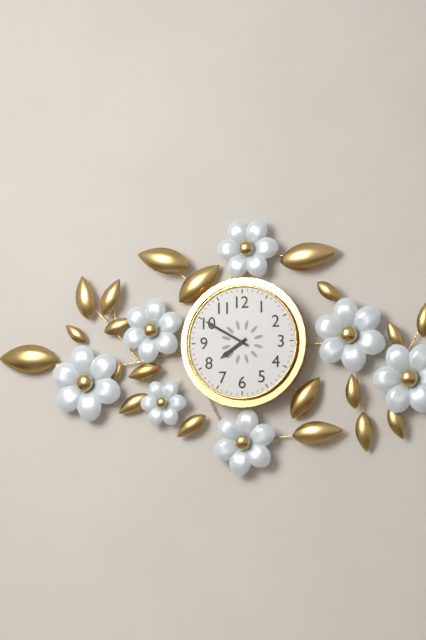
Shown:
**7:50**
